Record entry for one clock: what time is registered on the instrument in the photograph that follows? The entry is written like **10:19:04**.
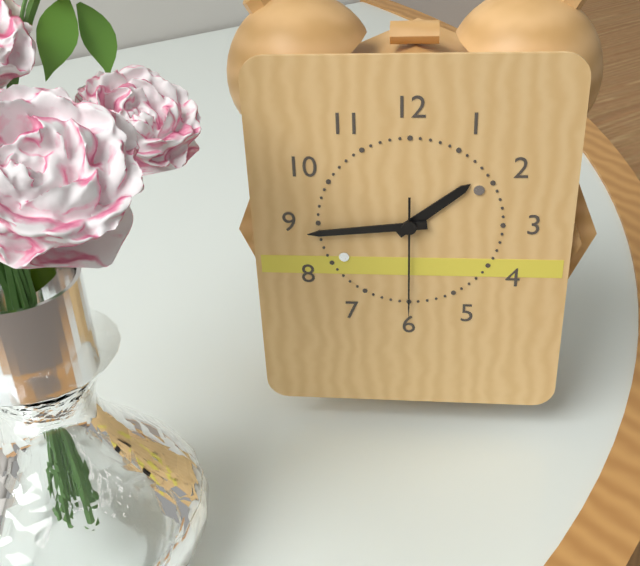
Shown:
**1:44:30**
